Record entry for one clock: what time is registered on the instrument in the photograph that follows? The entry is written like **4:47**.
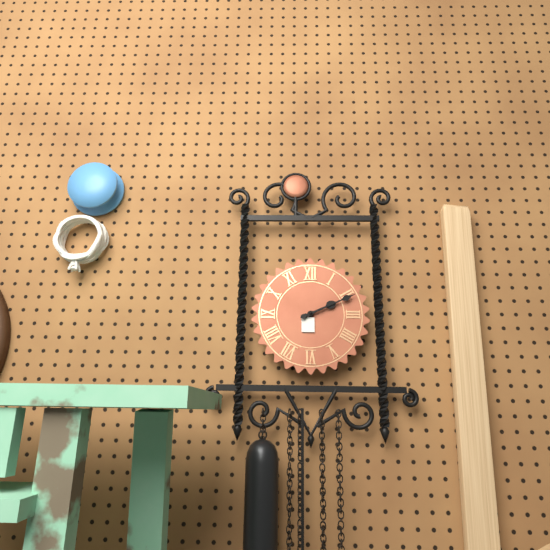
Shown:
**2:11**
